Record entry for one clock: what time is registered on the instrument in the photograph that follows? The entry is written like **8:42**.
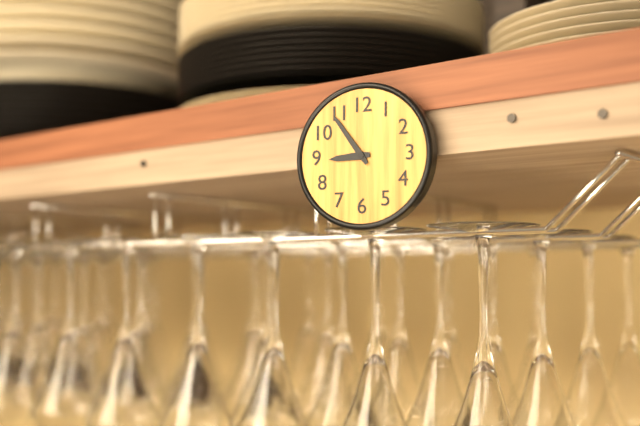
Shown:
**8:54**
